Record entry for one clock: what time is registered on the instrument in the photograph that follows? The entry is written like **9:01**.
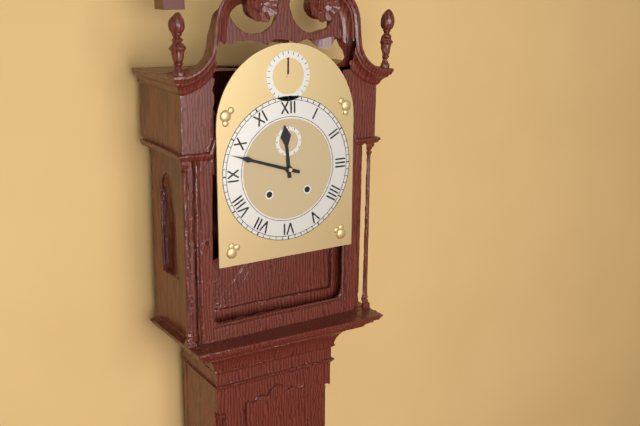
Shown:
**11:48**
